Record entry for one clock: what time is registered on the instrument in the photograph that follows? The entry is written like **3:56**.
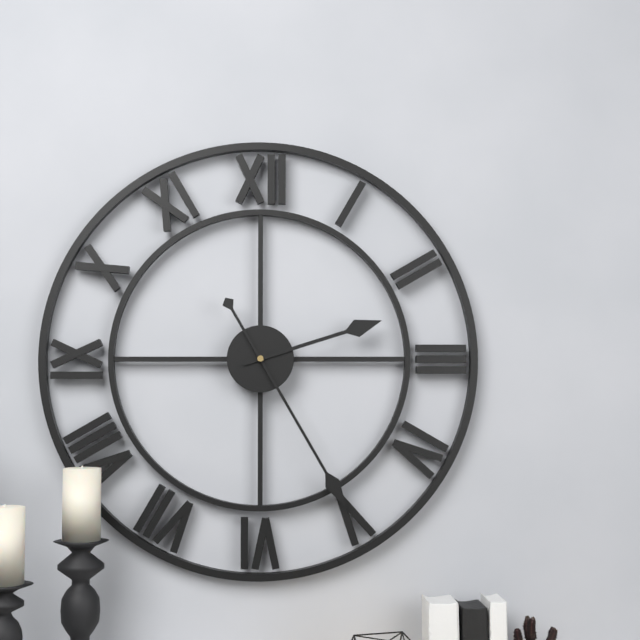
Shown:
**2:25**
